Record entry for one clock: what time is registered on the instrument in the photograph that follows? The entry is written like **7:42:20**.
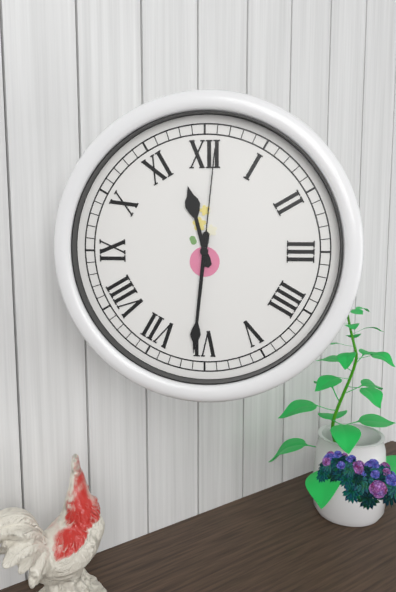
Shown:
**11:31:01**
